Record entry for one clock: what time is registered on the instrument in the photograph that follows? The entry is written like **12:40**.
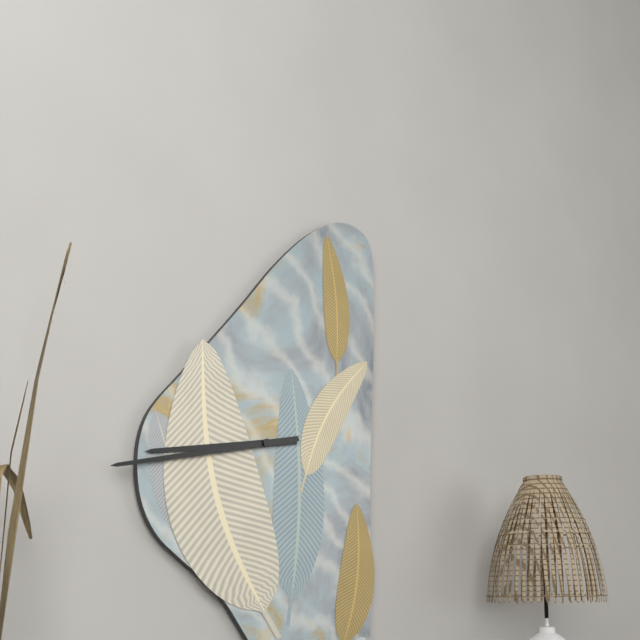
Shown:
**8:43**
